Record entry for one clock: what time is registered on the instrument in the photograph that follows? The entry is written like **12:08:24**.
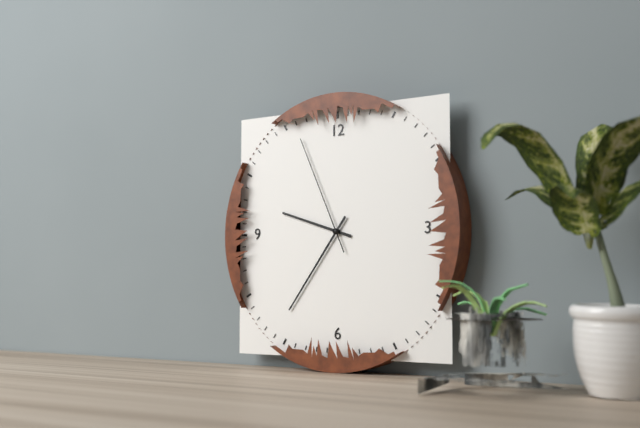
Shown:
**9:36:56**
